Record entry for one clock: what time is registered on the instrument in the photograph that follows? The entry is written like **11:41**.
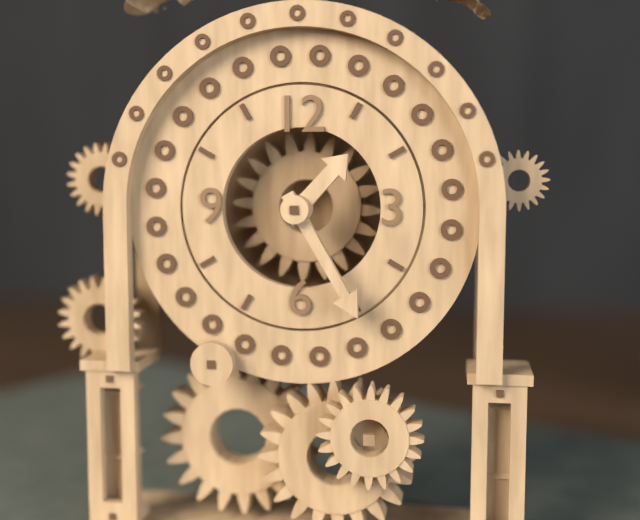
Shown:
**1:25**
